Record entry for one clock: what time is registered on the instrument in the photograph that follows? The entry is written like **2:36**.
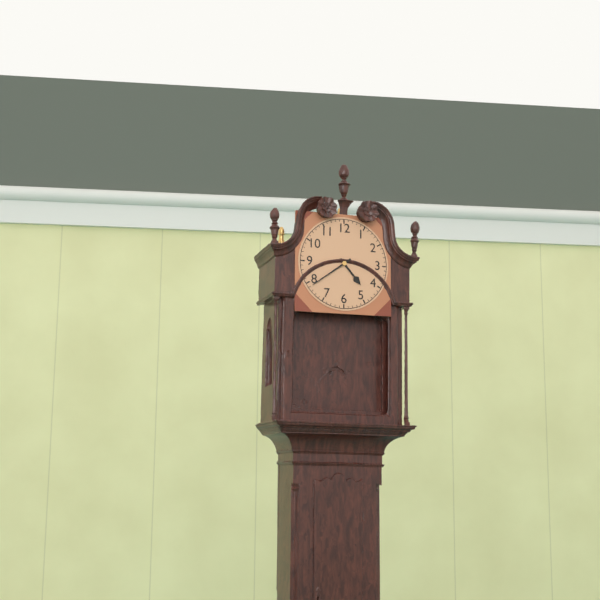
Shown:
**4:39**
